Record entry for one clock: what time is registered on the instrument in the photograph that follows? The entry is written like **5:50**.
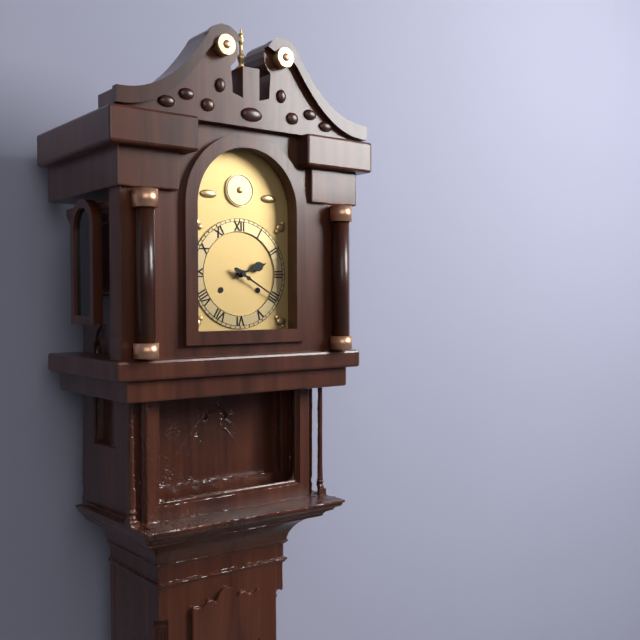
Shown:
**2:20**
